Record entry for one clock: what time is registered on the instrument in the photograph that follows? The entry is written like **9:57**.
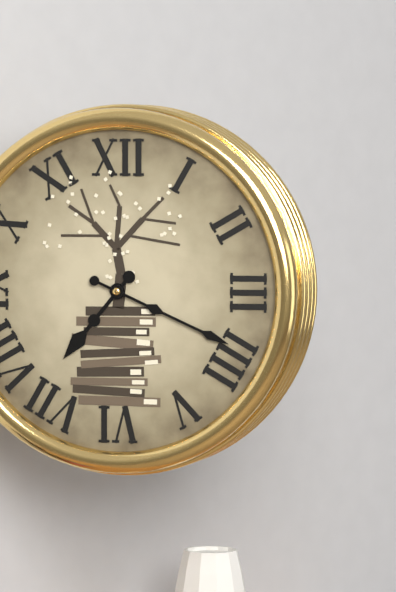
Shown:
**7:19**
